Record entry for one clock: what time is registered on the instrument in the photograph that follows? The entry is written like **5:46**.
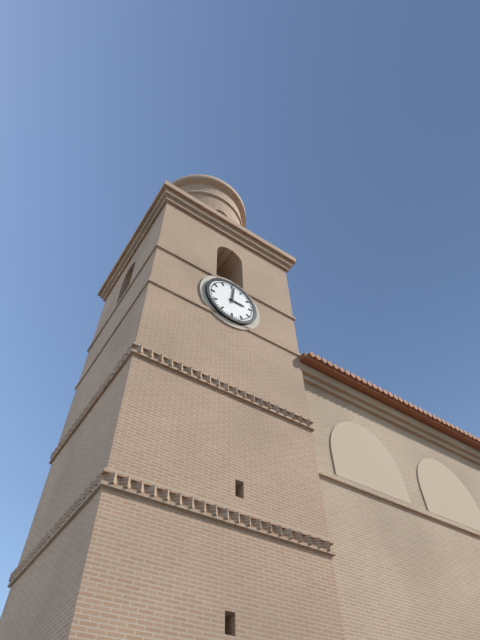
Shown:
**3:01**
